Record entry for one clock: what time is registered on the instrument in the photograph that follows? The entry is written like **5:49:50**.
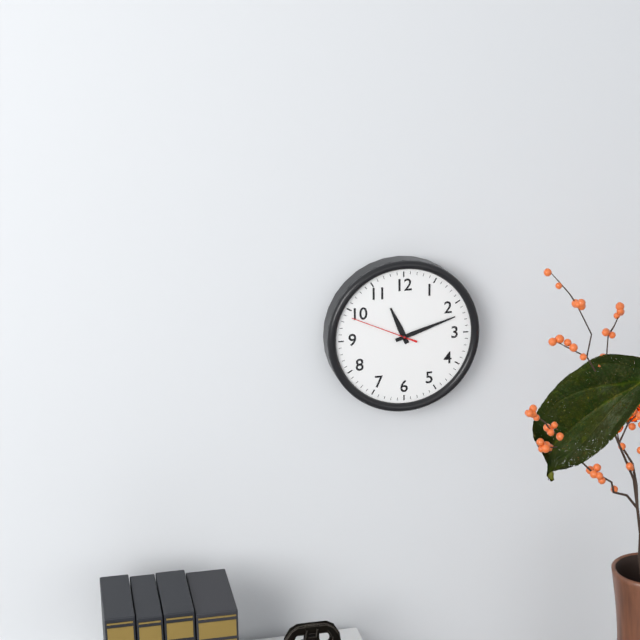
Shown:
**11:12:49**
